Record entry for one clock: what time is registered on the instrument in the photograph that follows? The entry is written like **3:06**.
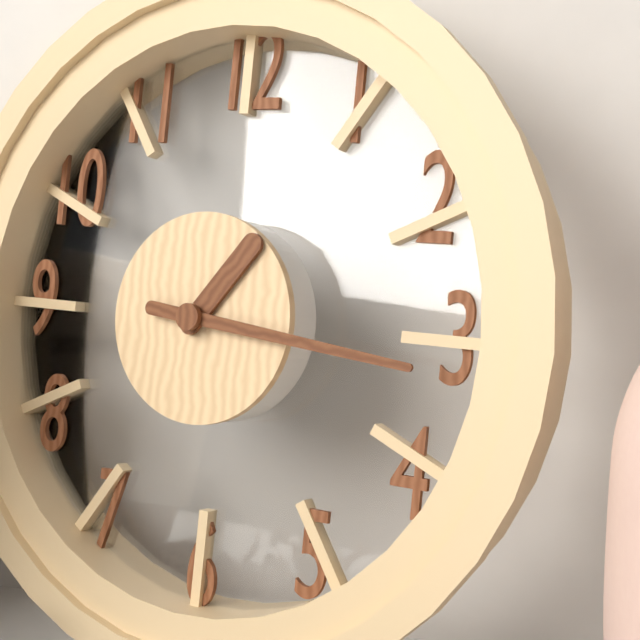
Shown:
**1:16**
